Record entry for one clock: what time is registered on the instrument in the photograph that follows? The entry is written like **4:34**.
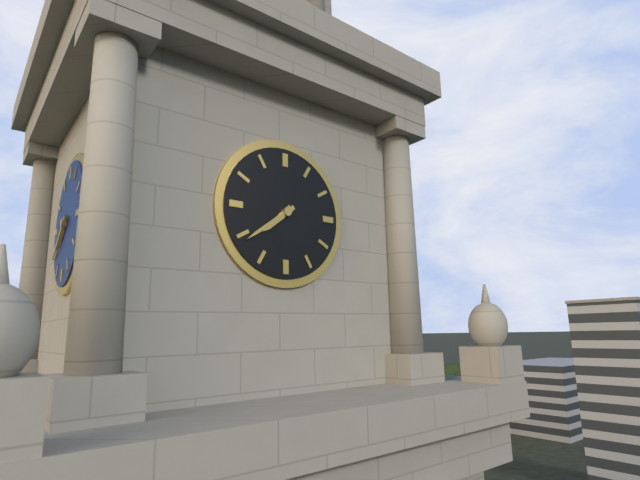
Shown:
**7:39**
